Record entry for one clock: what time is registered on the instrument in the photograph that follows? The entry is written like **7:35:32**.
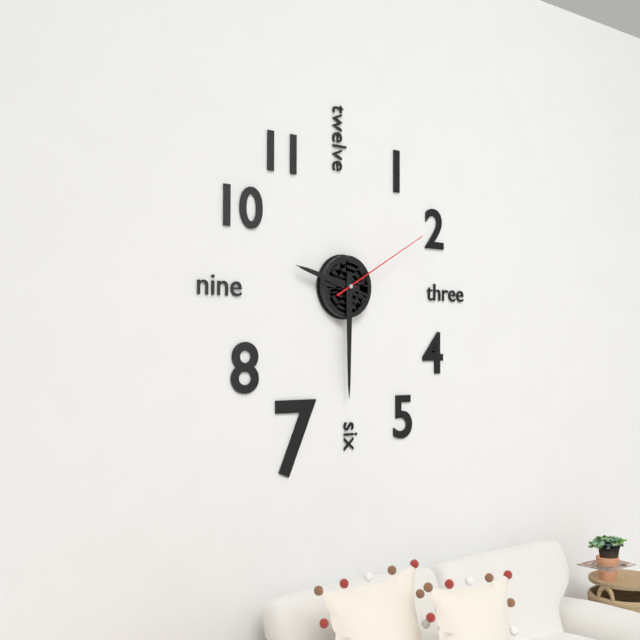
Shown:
**9:30:10**
